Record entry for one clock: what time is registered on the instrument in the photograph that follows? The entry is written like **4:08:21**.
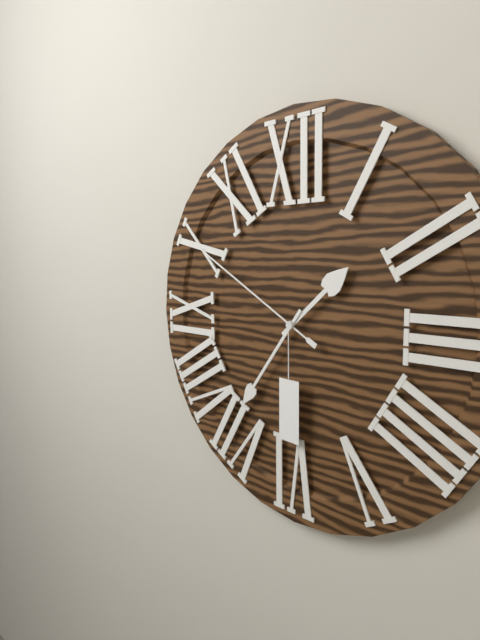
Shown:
**1:36:50**
